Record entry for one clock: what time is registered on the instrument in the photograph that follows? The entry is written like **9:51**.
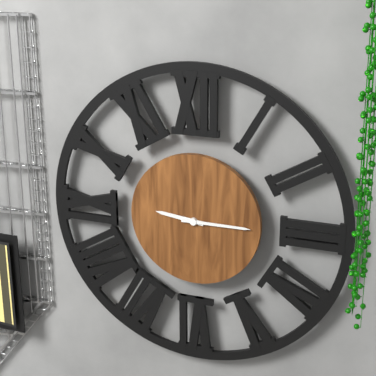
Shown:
**9:15**
